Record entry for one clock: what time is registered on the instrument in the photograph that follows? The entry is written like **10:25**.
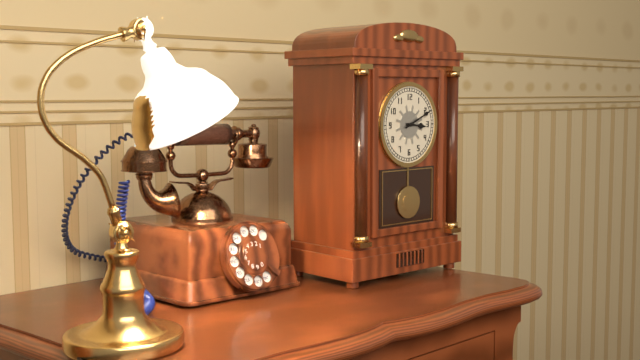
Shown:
**3:11**
